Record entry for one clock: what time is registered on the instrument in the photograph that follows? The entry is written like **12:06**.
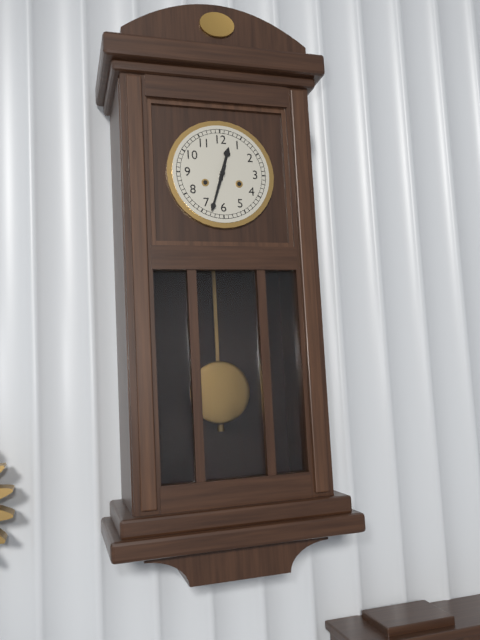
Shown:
**12:33**
